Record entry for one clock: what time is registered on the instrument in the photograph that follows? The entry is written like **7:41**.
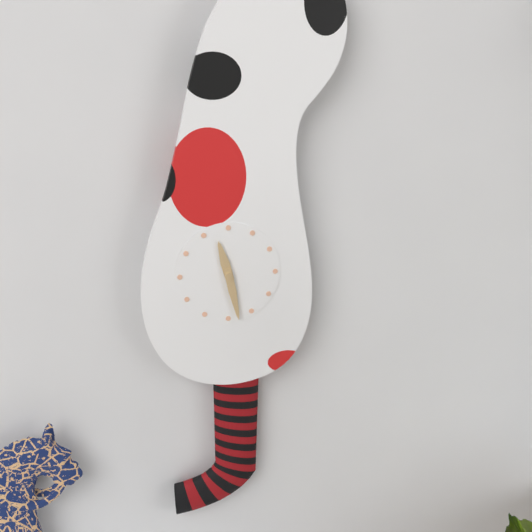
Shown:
**11:28**
